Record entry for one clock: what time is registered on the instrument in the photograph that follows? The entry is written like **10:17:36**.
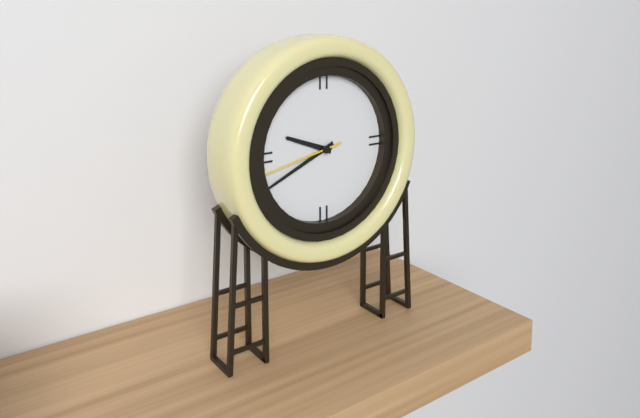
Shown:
**9:41:43**
